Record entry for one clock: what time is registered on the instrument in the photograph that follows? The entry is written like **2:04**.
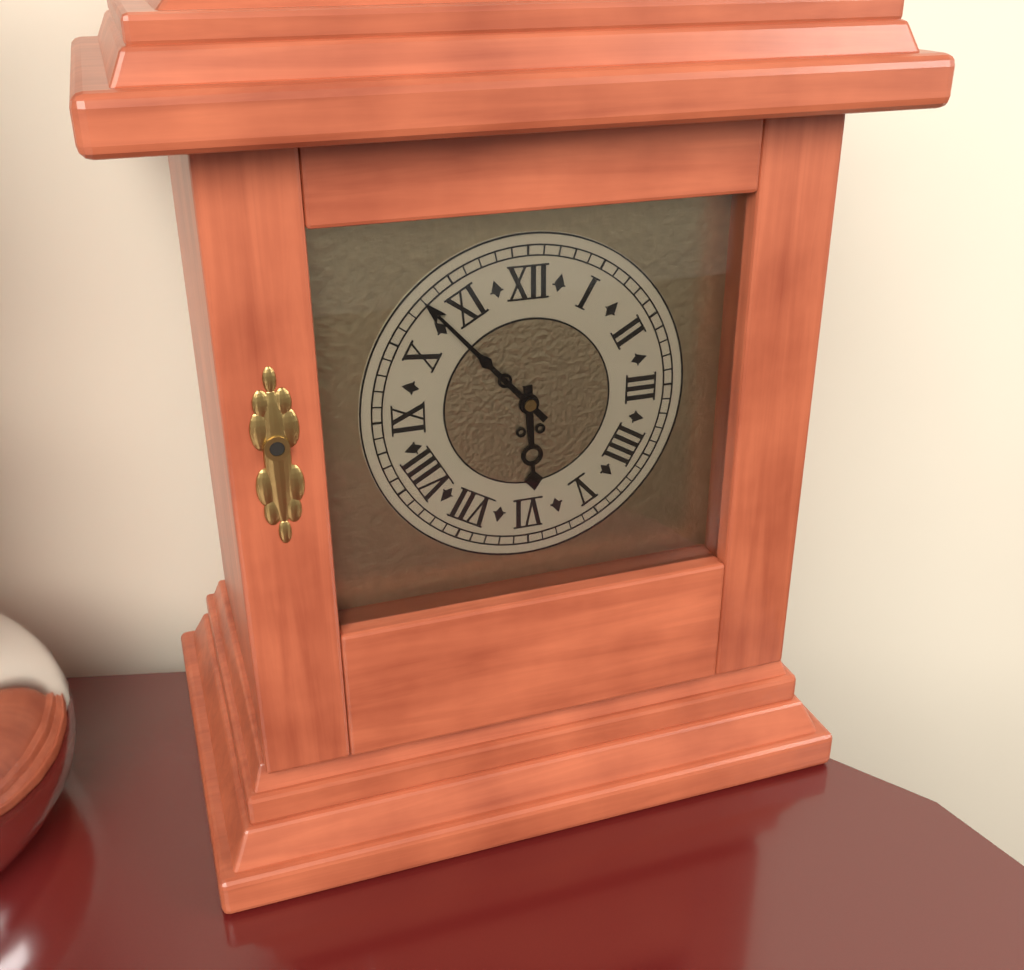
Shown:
**5:53**
